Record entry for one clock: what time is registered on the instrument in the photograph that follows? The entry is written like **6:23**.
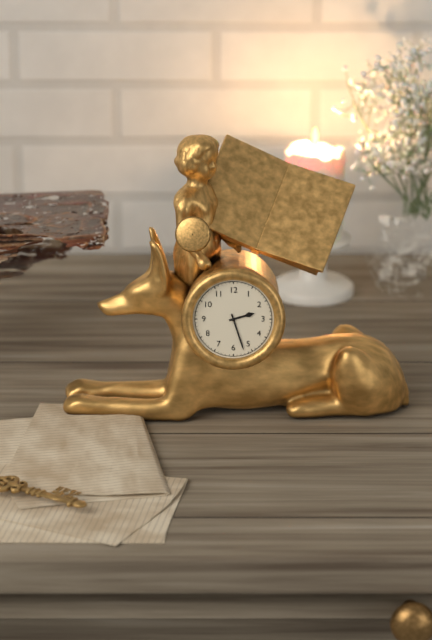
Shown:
**2:27**
